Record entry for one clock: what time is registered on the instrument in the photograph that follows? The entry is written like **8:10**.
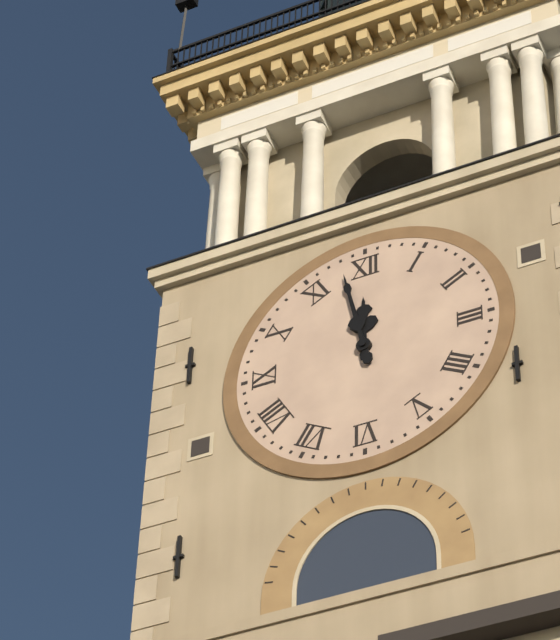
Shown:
**11:58**
